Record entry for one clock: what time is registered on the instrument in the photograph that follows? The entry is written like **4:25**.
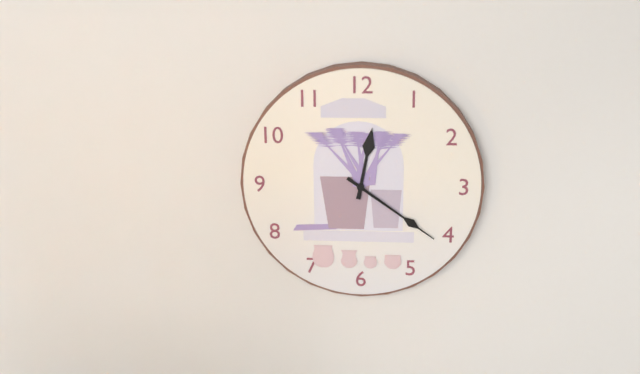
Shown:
**12:21**
